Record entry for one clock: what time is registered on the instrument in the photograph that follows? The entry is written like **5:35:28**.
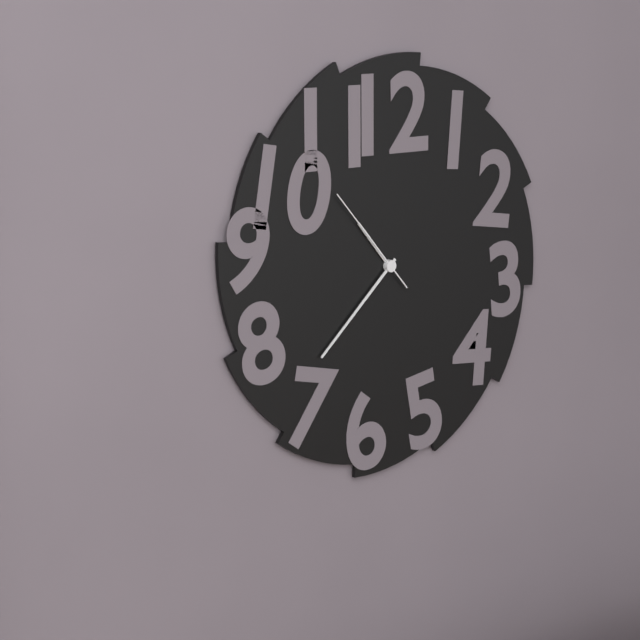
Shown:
**10:38:53**
